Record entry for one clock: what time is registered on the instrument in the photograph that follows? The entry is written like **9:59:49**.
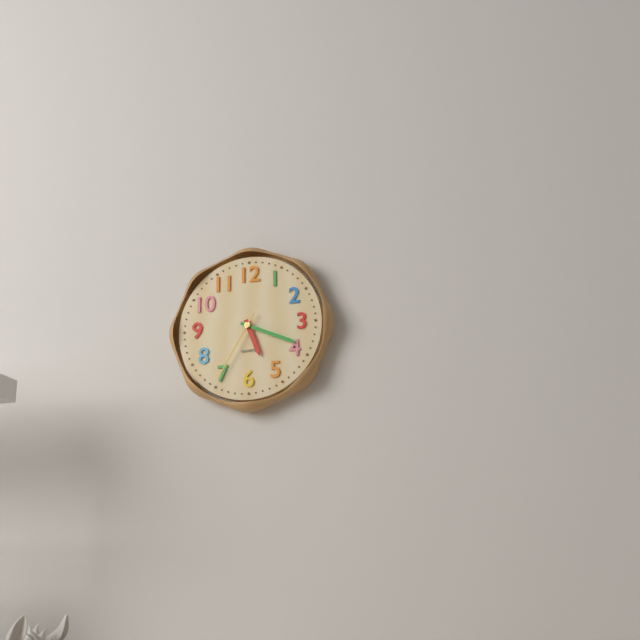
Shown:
**5:19:35**
